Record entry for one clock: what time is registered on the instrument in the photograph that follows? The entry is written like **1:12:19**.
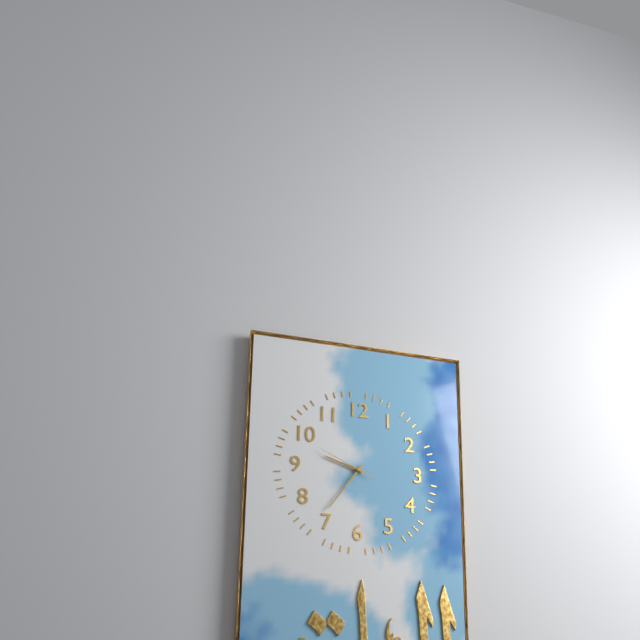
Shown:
**9:36:49**
